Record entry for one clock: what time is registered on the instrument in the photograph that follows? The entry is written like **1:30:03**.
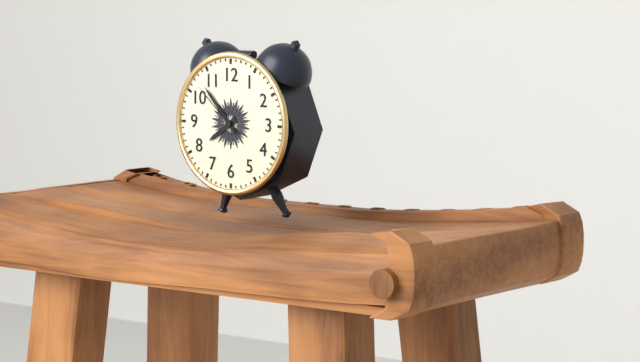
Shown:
**7:53:52**
